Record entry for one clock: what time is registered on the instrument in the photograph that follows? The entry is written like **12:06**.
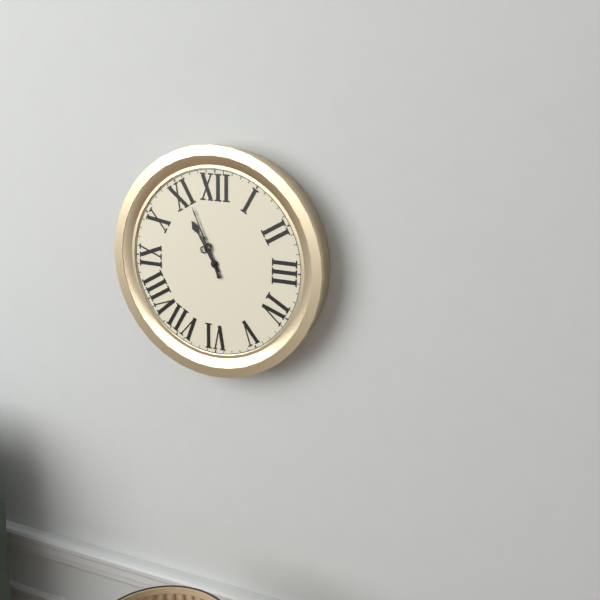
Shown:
**10:56**
